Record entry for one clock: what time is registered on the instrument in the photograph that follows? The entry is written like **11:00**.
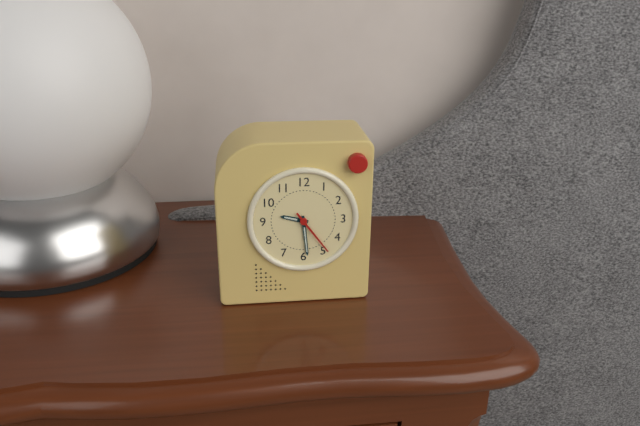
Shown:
**9:29**
